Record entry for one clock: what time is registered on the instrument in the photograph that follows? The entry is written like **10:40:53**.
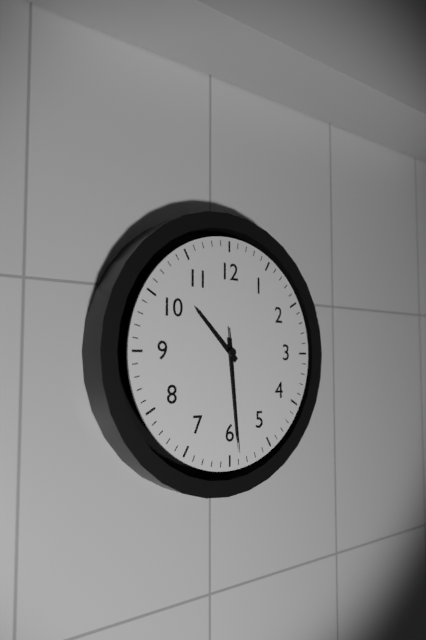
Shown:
**10:29:29**
